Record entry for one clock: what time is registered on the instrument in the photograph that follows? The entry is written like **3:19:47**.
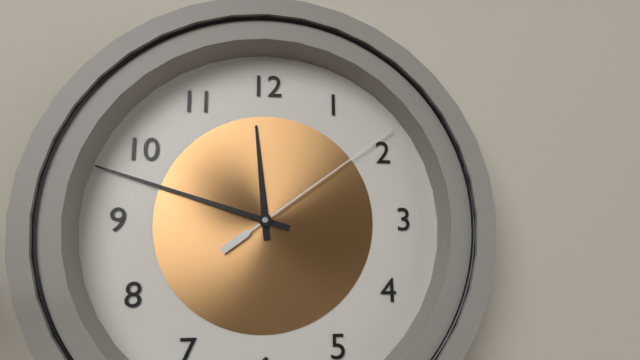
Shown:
**11:48:09**
